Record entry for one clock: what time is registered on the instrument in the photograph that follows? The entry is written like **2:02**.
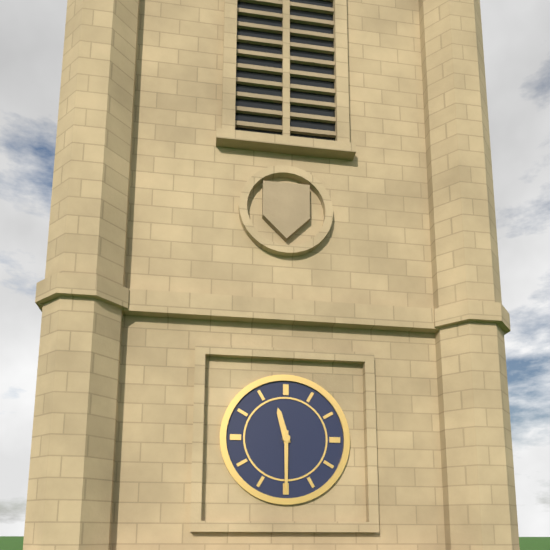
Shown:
**11:30**
